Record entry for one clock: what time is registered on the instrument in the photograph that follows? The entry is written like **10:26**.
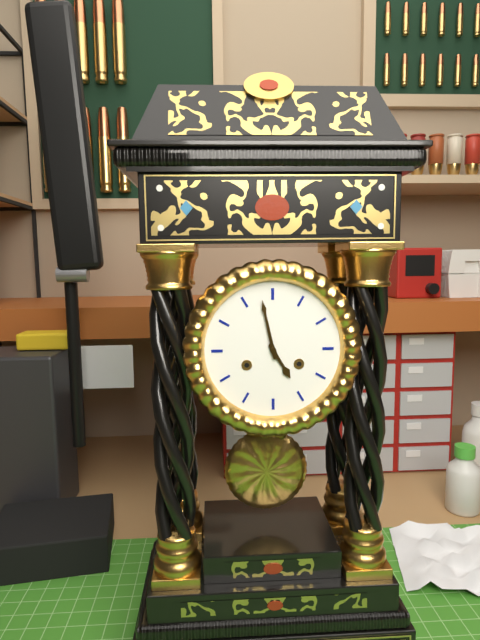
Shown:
**4:58**
